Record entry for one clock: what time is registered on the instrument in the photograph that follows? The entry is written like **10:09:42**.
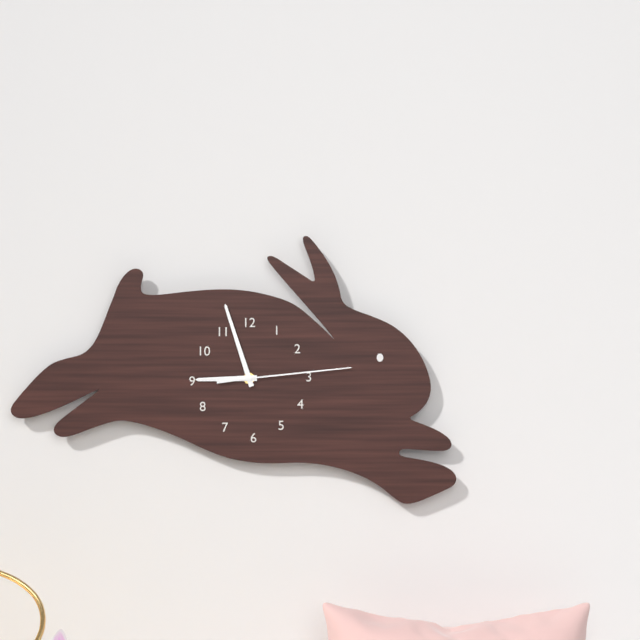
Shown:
**8:57:14**
